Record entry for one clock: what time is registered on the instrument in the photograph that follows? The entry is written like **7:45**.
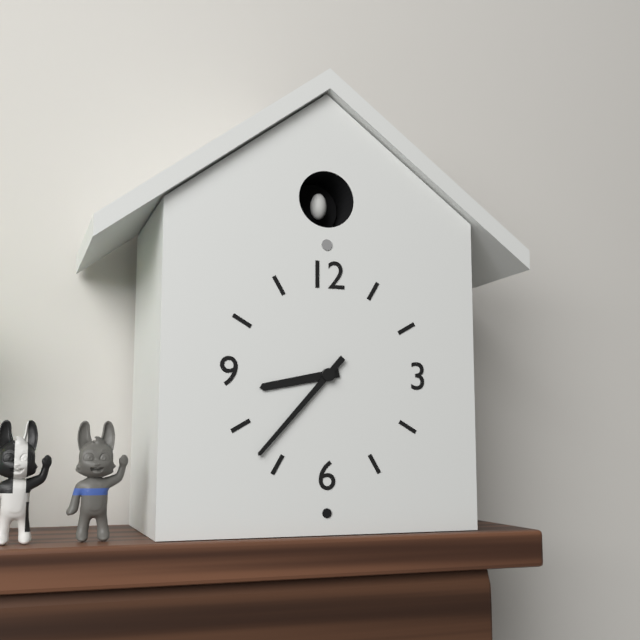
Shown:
**8:37**
